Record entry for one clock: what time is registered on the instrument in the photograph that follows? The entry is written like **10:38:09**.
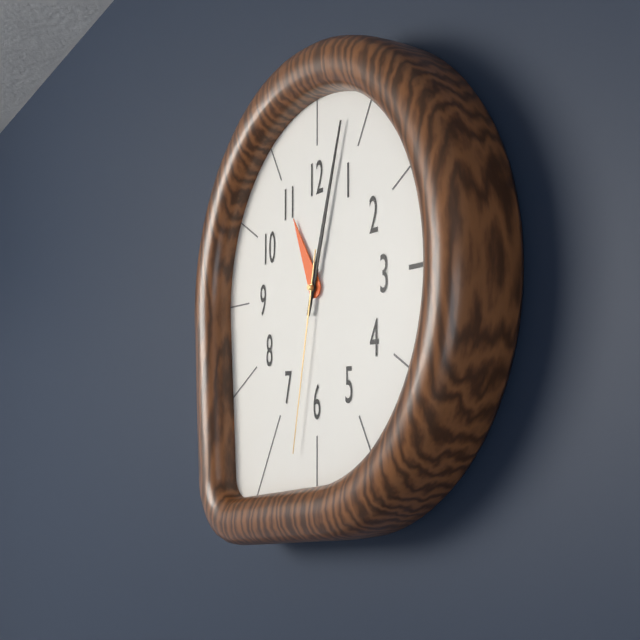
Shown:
**11:03:32**
